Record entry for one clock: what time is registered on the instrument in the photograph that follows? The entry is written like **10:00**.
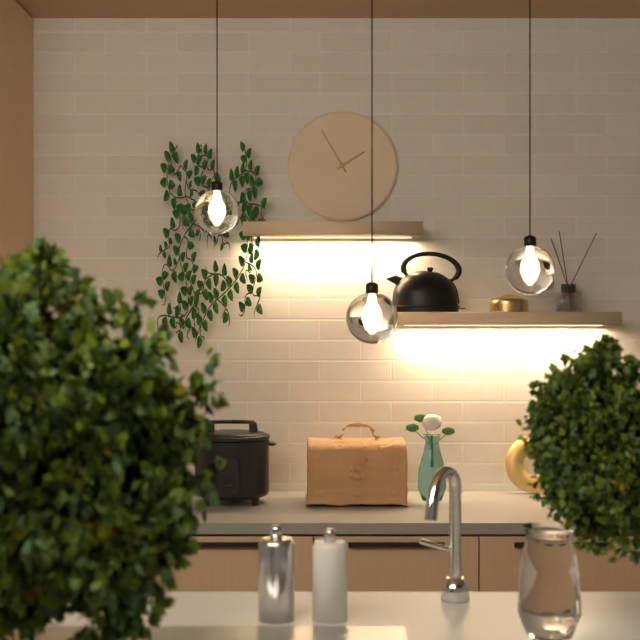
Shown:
**1:55**
